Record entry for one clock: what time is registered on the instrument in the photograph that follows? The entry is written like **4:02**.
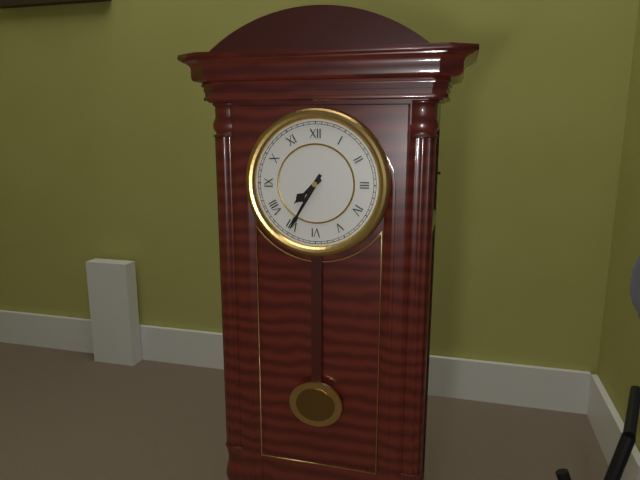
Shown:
**7:35**
